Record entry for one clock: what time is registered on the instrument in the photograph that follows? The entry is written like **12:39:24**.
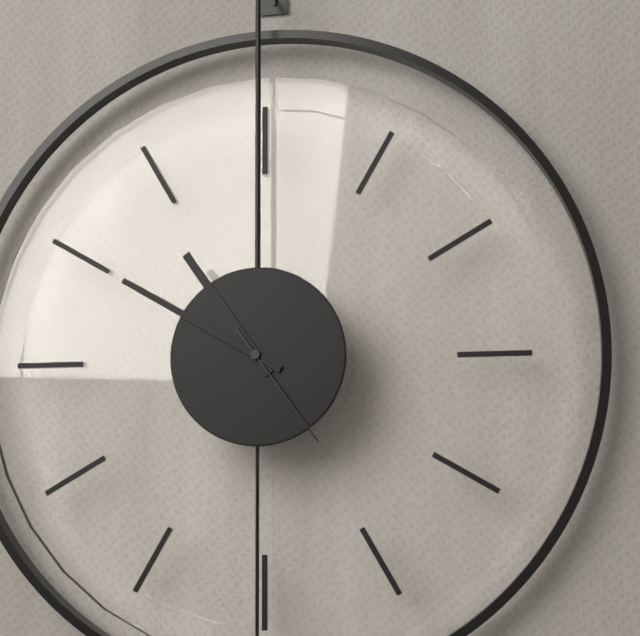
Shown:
**10:50:24**
